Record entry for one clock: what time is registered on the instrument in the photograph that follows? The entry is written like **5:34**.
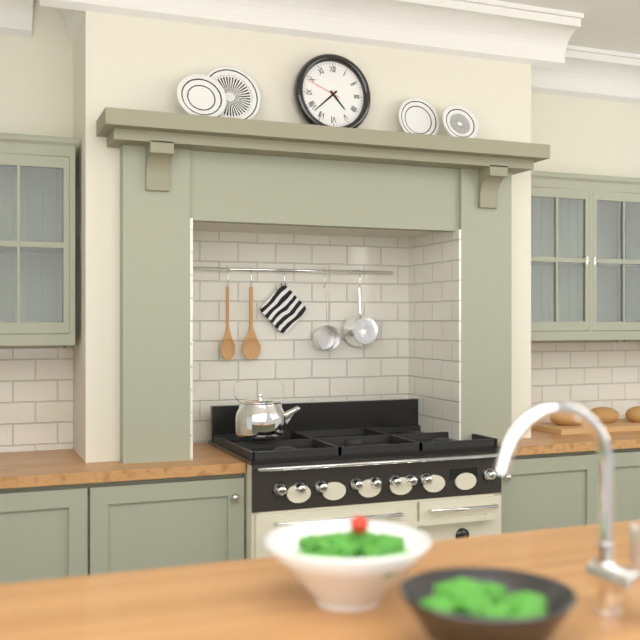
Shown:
**4:38**
